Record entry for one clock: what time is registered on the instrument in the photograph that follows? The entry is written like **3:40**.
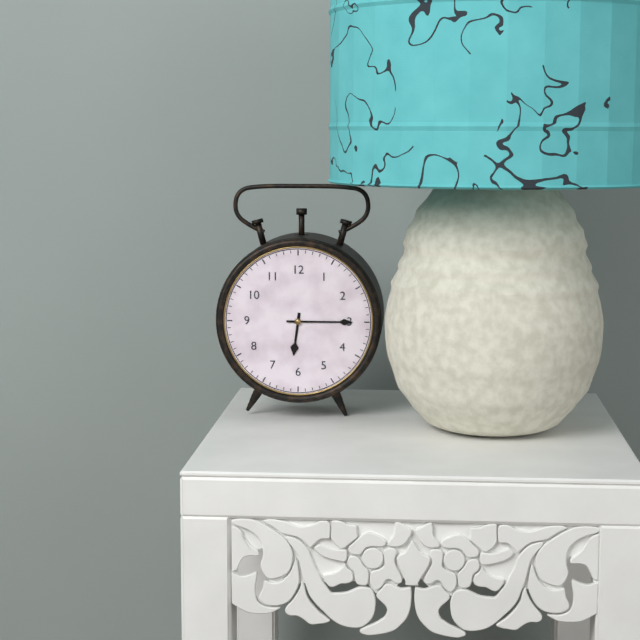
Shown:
**6:15**
